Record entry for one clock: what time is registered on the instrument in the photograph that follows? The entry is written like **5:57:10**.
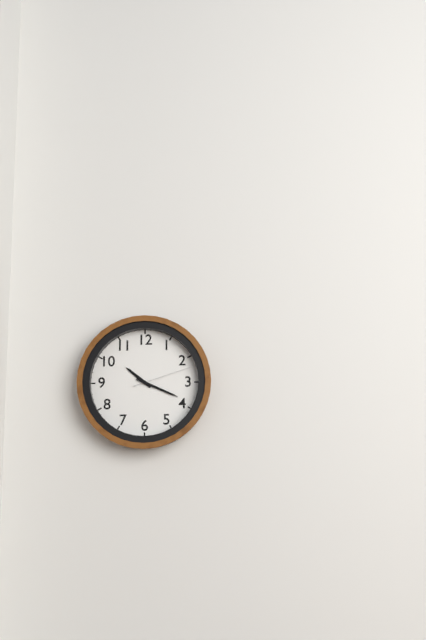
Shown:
**10:19:12**
